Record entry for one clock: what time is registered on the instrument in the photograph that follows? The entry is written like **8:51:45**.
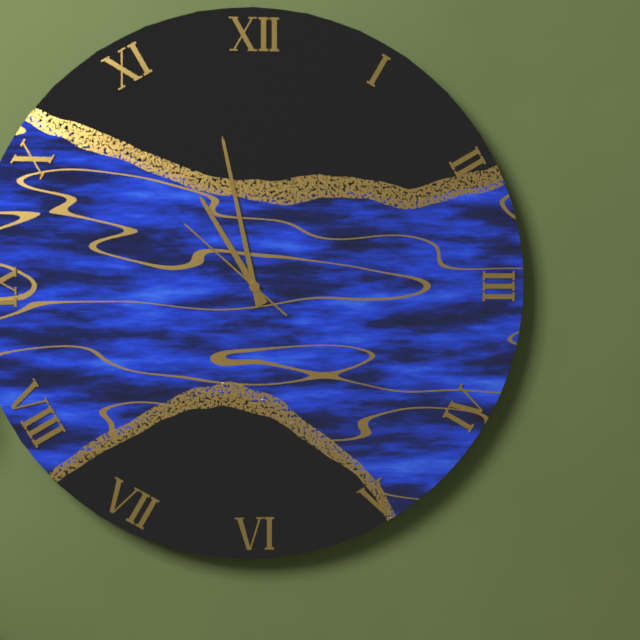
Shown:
**10:58:52**
